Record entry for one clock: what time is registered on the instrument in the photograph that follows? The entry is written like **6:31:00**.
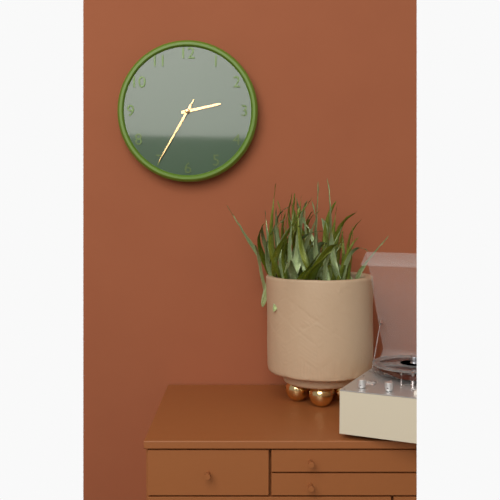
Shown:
**2:35:35**
